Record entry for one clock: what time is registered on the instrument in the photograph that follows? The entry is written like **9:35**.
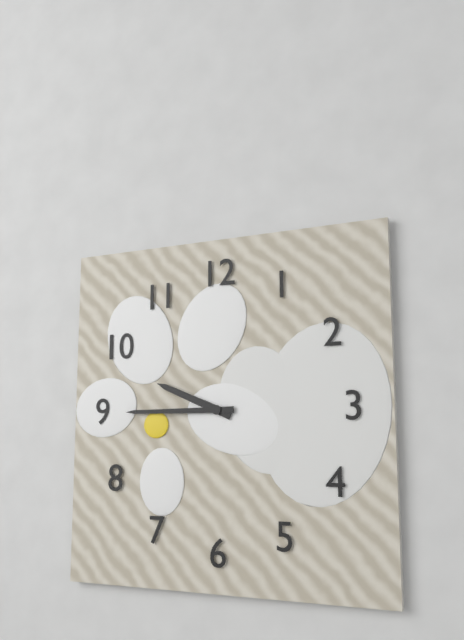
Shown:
**9:45**
